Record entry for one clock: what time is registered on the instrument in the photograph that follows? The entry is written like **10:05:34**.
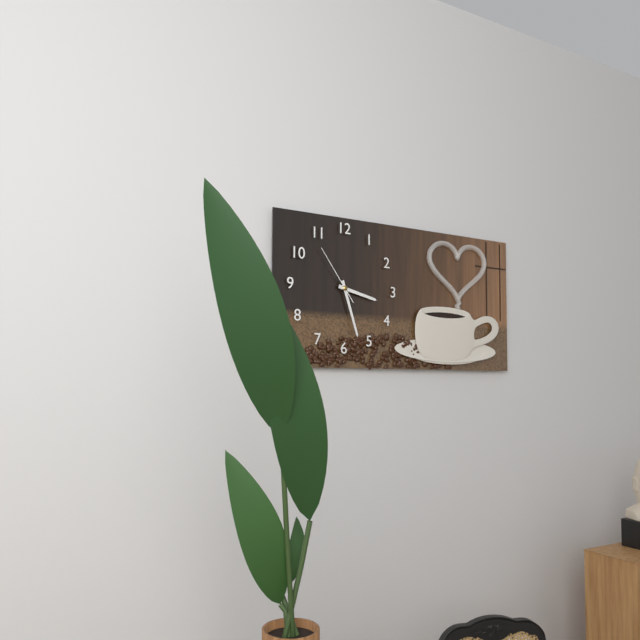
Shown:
**3:27:54**
